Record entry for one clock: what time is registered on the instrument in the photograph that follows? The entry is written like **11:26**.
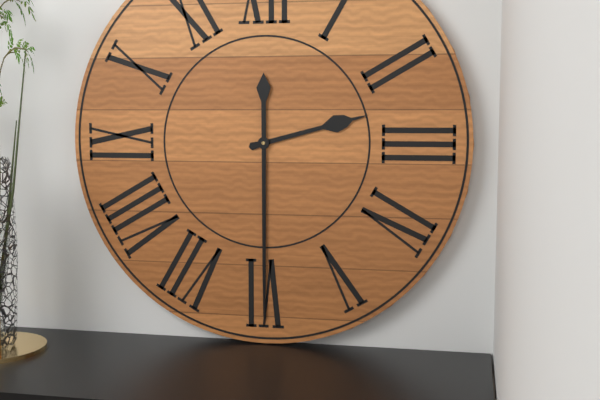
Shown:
**2:30**
